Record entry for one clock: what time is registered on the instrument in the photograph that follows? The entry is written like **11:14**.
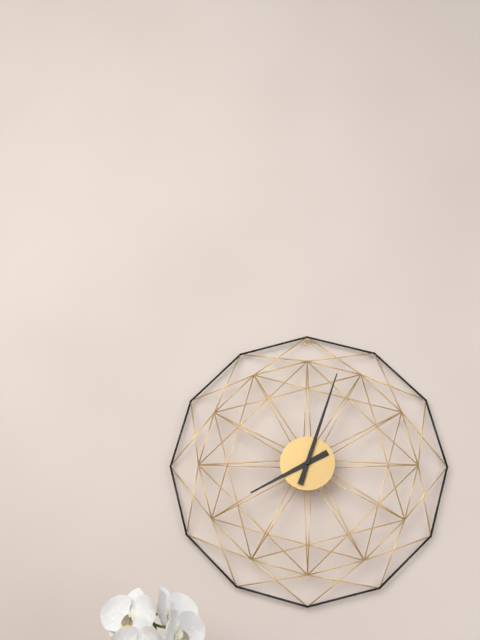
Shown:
**8:03**
